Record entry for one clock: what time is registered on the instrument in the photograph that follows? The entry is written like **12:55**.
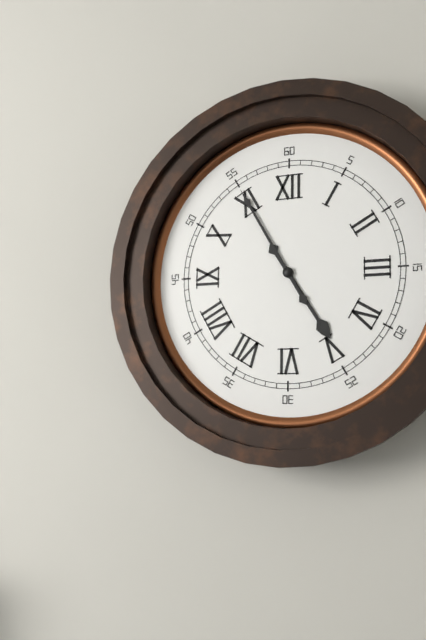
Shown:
**4:55**
